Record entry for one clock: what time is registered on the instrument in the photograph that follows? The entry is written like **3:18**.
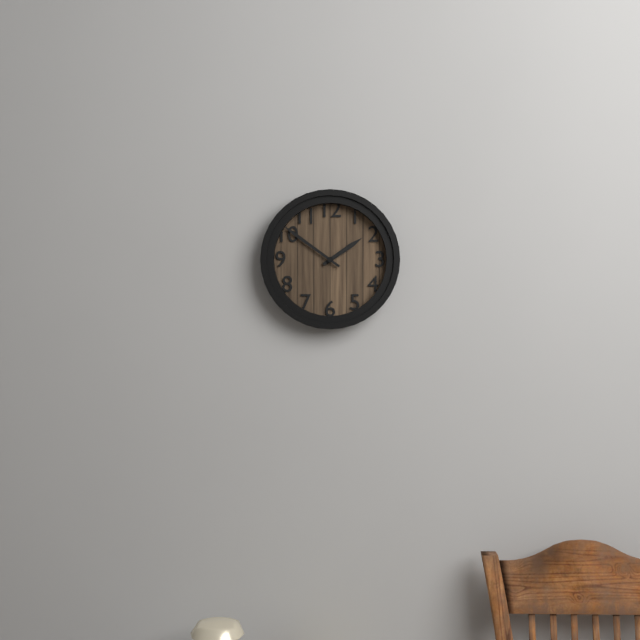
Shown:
**1:51**
